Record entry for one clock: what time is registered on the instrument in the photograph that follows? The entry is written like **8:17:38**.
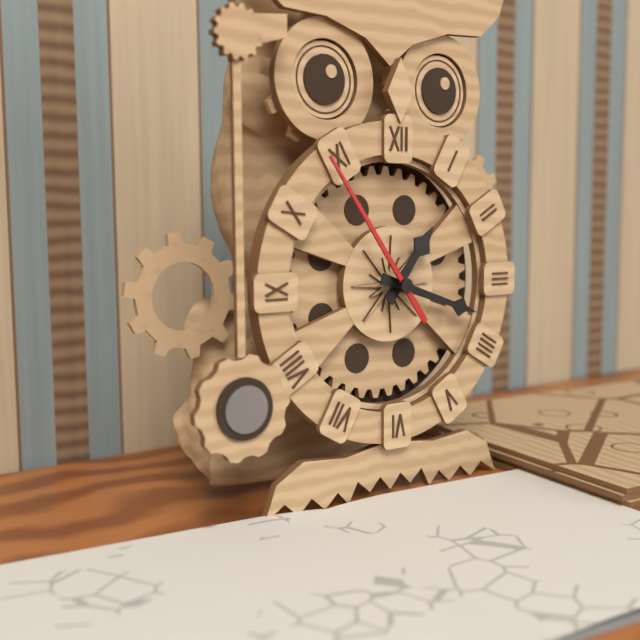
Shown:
**1:18:54**
